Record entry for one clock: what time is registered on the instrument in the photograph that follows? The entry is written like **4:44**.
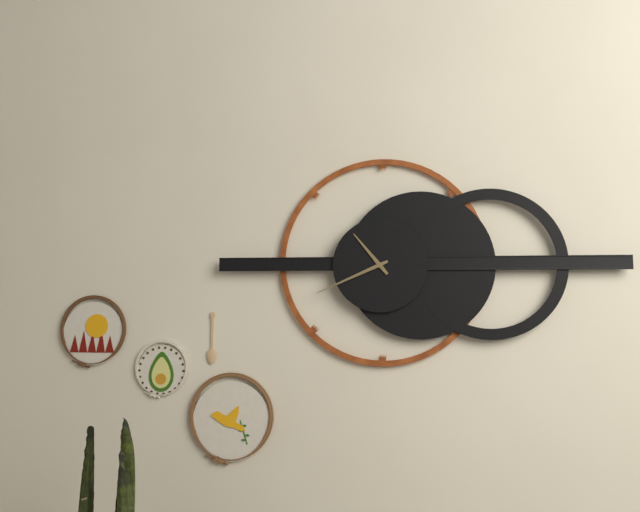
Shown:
**10:41**
